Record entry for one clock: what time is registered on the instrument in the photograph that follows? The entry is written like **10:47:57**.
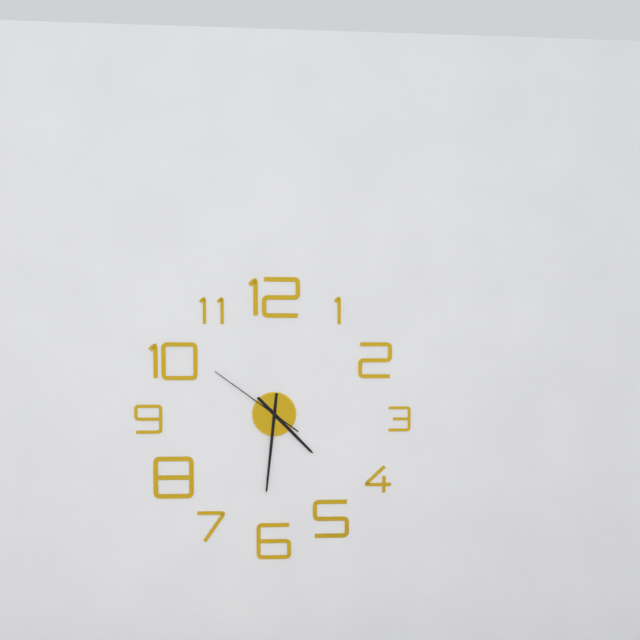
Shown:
**4:31:51**
